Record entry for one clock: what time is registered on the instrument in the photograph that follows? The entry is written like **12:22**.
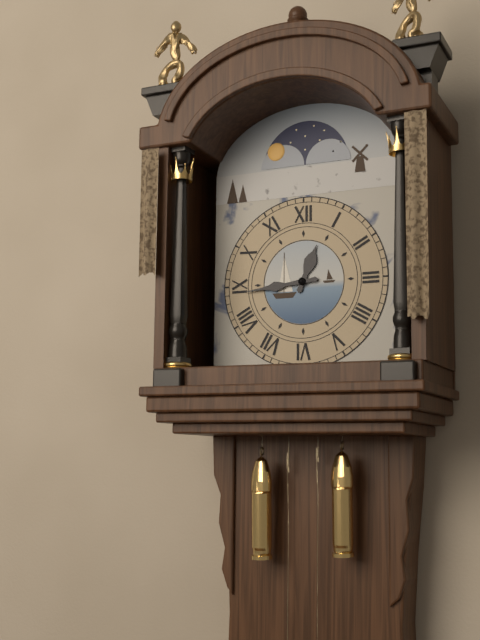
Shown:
**12:44**
